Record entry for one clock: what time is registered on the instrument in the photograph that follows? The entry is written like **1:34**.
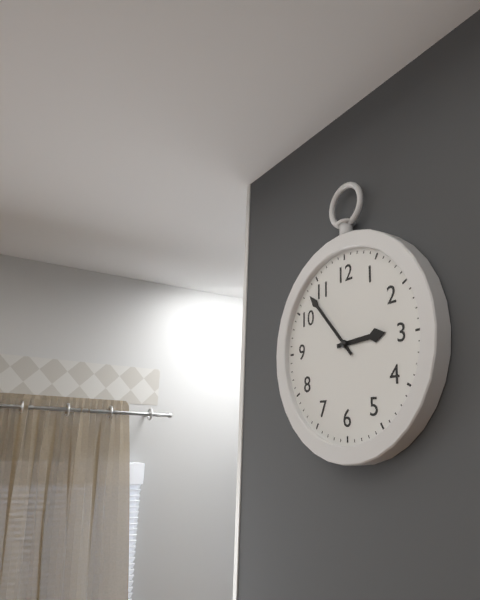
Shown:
**2:53**
